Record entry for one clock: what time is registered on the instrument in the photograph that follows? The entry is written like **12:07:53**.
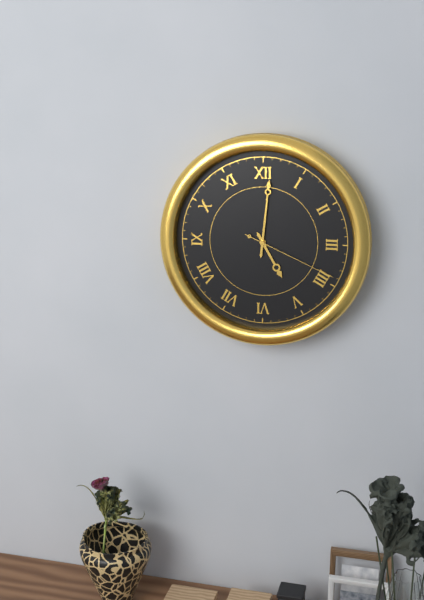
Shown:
**5:01:19**
